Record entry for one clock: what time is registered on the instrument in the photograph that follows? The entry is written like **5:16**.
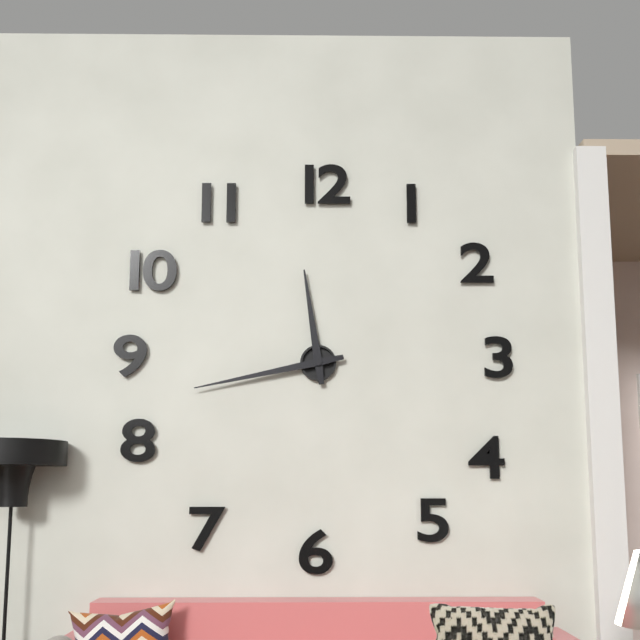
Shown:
**11:43**
